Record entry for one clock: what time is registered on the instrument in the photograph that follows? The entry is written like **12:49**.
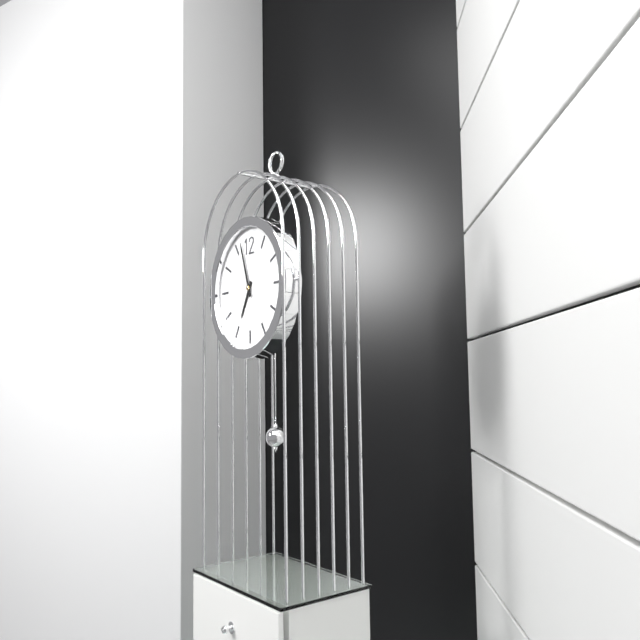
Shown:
**6:57**
